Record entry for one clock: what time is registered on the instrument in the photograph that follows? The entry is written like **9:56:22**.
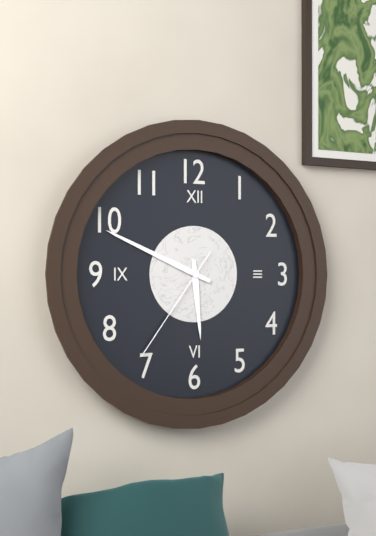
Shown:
**5:49:36**
